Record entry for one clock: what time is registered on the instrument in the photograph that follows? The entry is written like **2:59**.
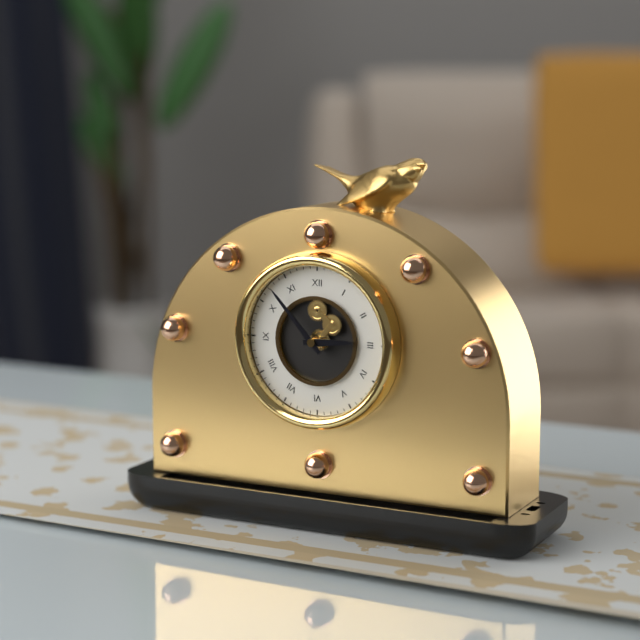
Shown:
**2:53**
